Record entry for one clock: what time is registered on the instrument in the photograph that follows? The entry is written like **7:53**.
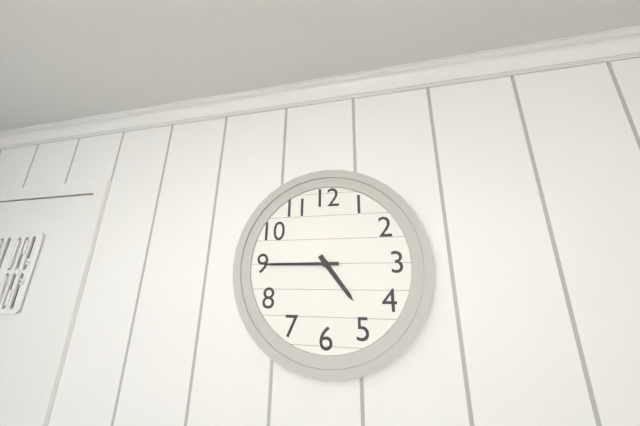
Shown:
**4:45**
